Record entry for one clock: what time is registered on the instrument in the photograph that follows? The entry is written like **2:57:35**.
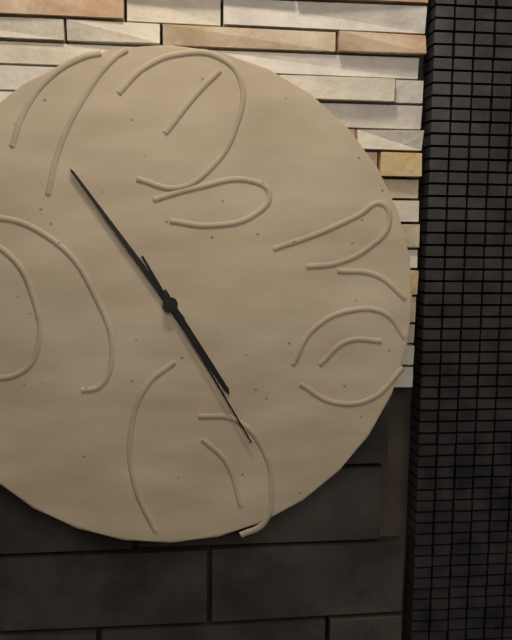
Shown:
**4:54:25**
